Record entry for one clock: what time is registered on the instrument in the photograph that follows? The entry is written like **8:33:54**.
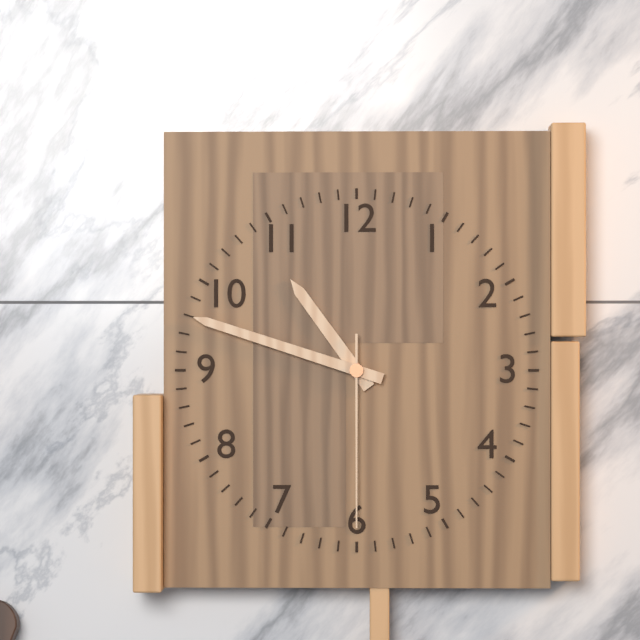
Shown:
**10:48:30**
